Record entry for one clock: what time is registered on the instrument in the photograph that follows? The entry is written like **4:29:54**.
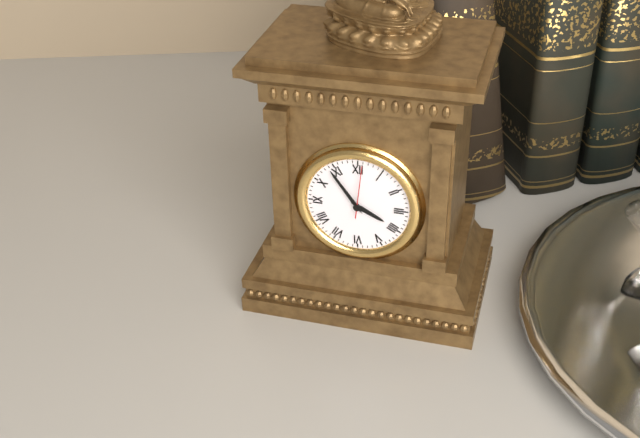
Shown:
**3:54:01**
